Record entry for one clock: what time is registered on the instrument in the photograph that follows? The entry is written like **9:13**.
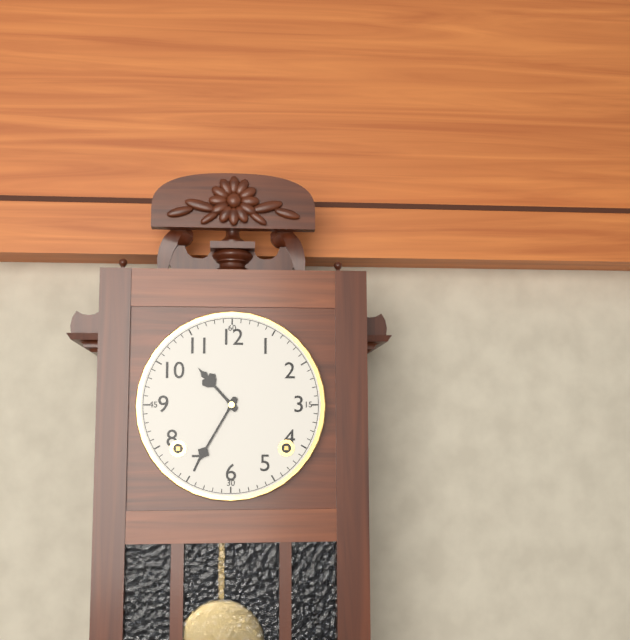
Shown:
**10:35**
